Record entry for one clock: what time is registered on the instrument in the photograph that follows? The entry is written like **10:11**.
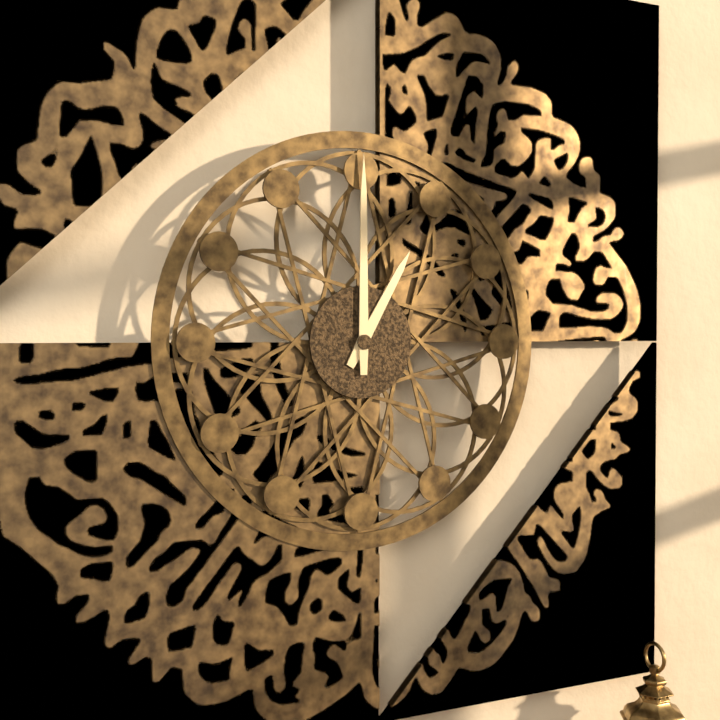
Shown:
**1:00**
